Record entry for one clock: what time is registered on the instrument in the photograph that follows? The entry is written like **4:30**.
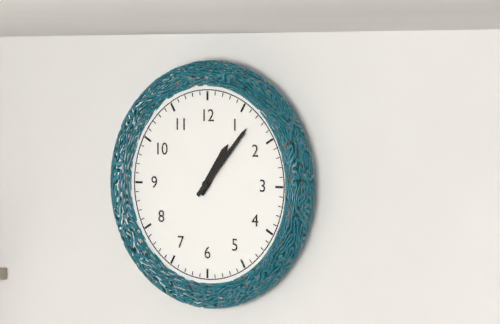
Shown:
**1:07**
